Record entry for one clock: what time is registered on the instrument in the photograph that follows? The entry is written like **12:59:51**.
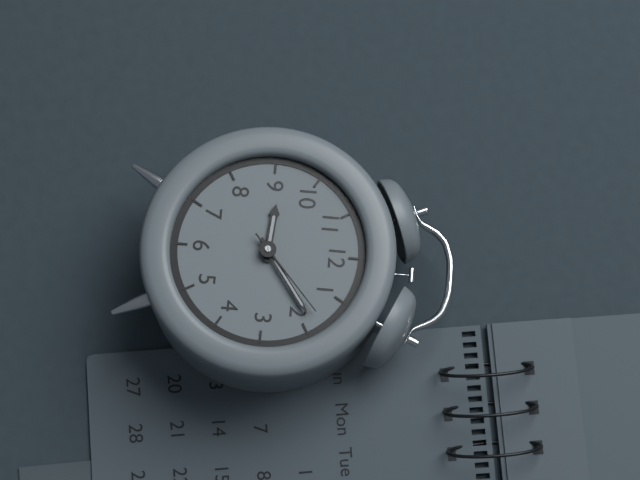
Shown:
**9:09:08**
